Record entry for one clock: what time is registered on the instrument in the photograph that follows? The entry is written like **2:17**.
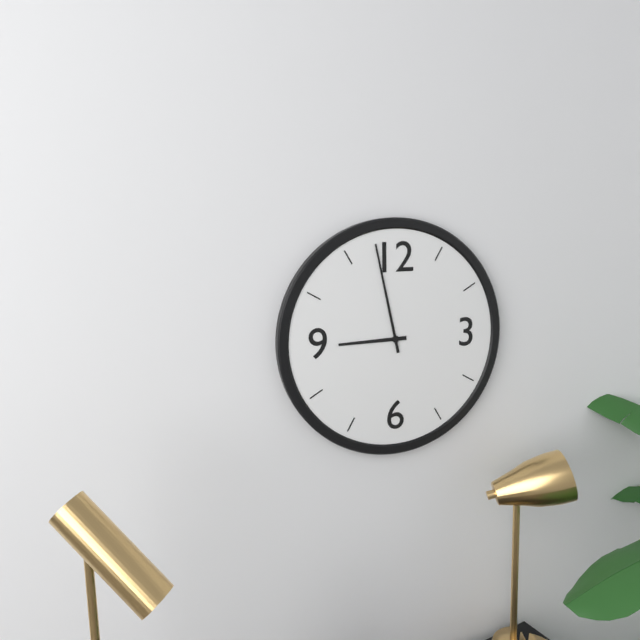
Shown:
**8:58**
